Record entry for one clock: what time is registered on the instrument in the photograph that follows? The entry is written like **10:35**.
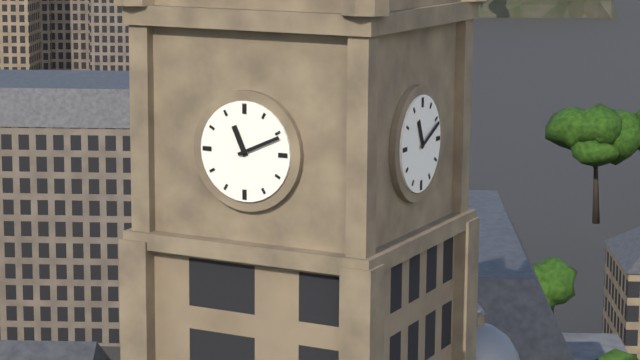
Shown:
**11:11**
